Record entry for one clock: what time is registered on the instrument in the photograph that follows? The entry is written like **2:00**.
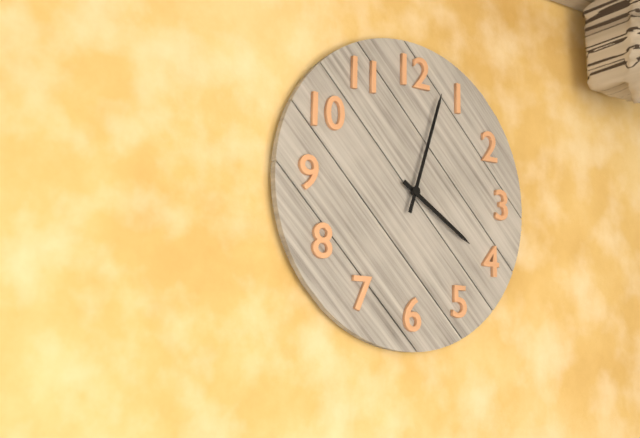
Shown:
**4:03**
